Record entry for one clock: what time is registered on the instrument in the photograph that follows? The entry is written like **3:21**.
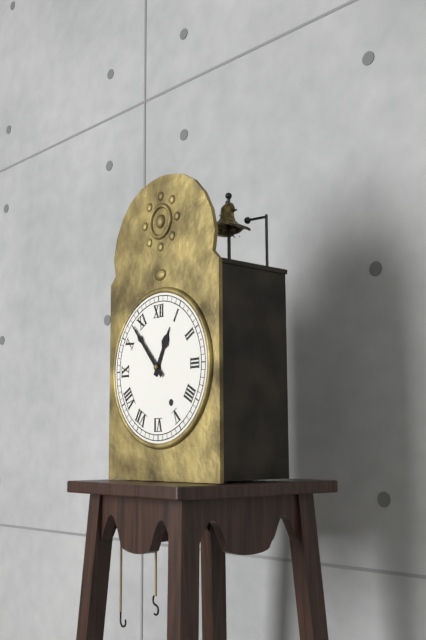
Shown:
**12:53**
